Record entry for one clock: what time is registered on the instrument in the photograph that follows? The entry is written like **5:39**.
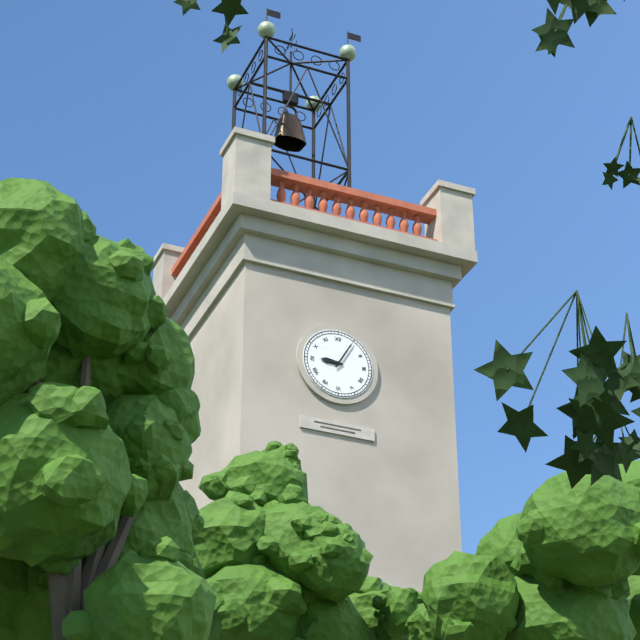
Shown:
**9:05**
